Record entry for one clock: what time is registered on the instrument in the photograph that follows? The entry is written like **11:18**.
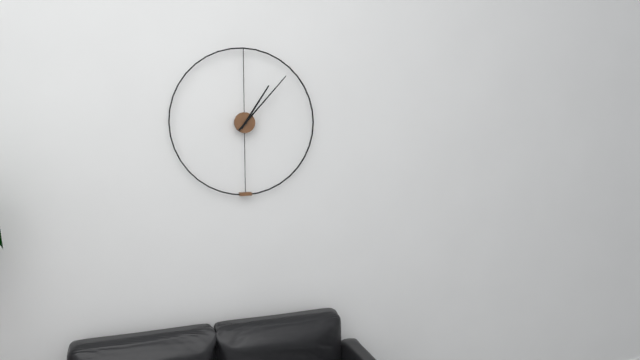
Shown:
**1:07**
